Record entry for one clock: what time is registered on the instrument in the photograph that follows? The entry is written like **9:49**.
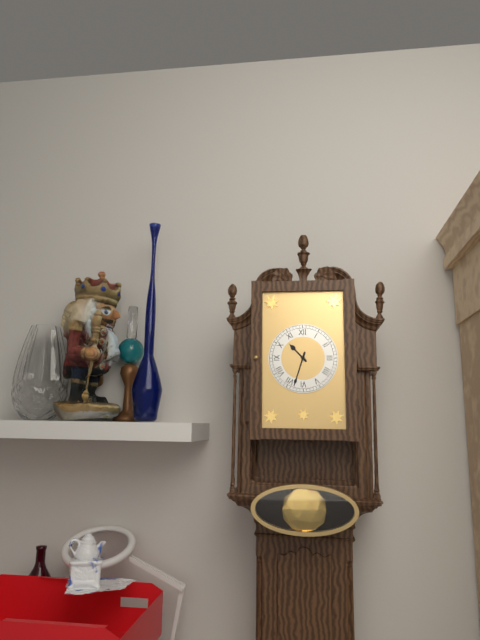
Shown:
**10:33**
